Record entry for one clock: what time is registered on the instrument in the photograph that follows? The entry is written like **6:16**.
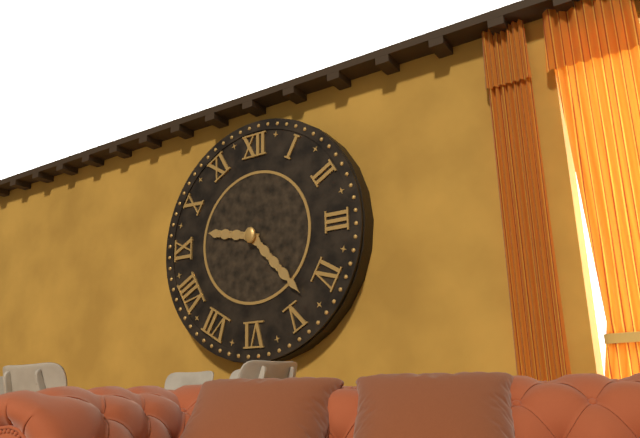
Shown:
**9:23**
